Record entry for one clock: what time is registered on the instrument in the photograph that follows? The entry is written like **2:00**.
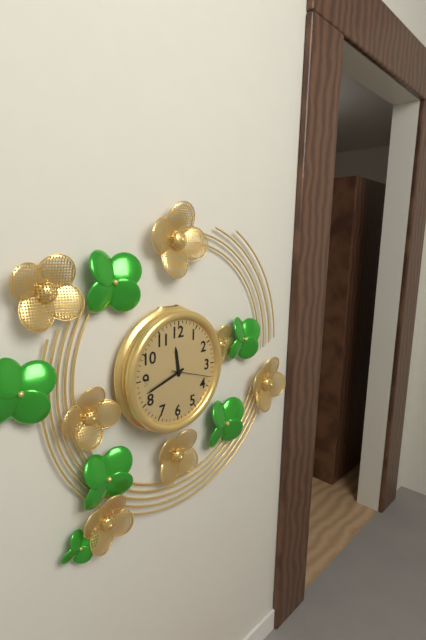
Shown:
**11:42**
